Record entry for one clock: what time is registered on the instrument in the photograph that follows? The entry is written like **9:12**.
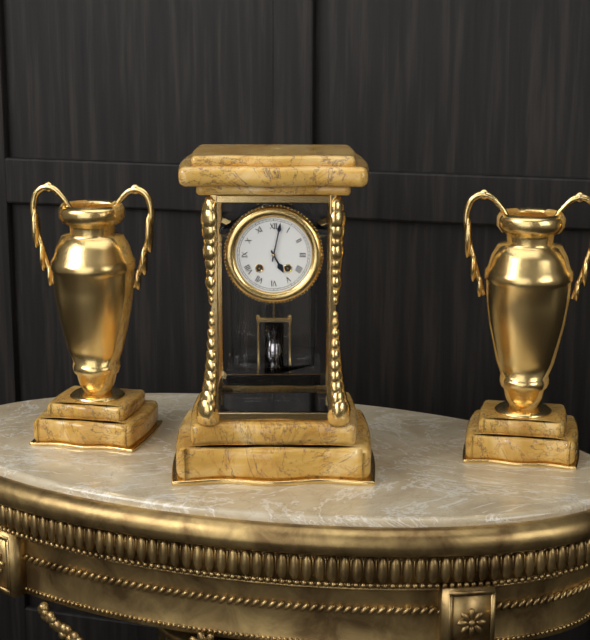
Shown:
**5:02**
